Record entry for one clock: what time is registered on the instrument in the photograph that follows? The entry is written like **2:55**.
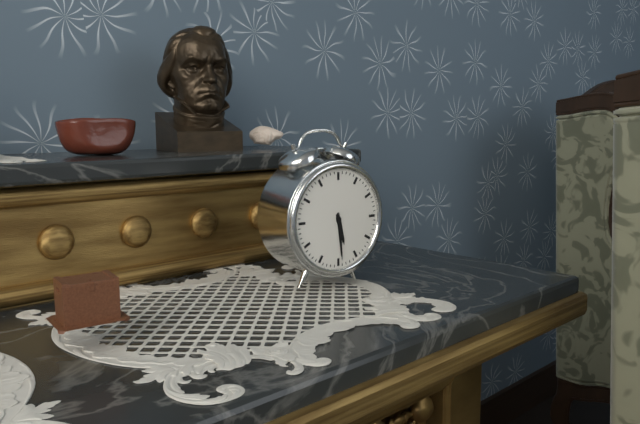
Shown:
**5:29**
